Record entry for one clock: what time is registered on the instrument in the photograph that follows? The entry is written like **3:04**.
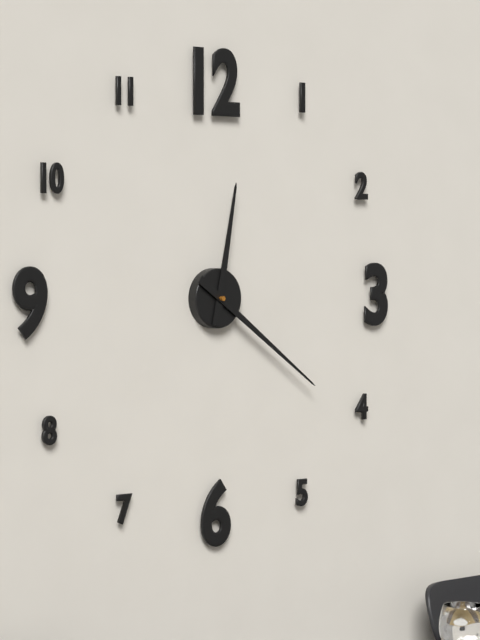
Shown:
**12:21**
